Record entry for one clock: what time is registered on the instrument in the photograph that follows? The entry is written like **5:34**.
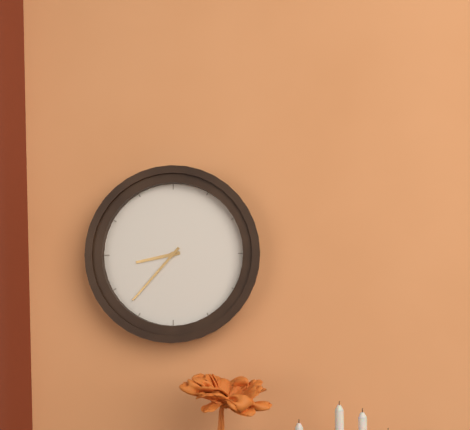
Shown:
**8:37**
